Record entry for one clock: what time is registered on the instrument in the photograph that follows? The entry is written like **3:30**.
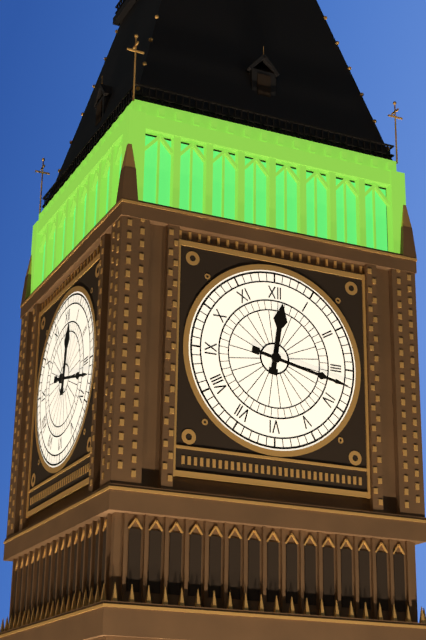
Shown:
**12:17**
